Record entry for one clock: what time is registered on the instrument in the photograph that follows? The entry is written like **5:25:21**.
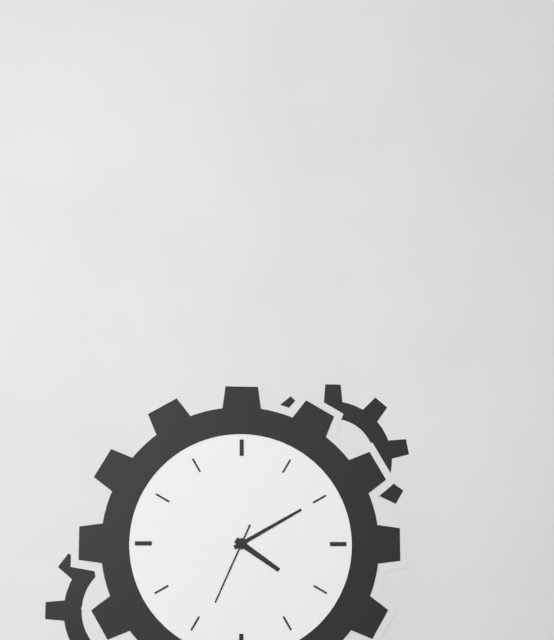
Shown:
**4:10:34**
